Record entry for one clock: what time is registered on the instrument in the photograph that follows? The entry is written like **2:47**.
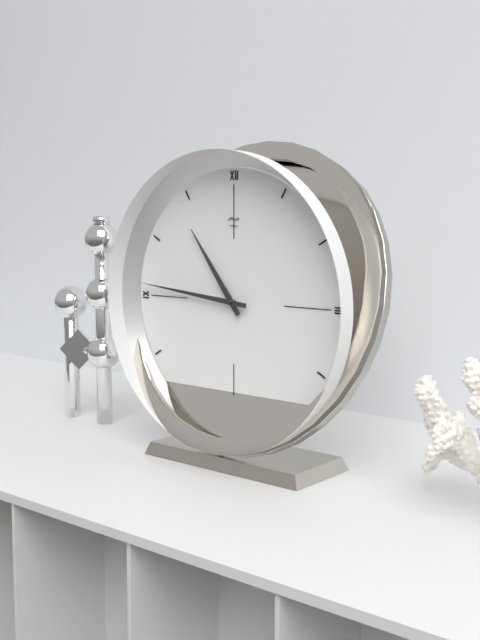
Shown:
**10:46**
